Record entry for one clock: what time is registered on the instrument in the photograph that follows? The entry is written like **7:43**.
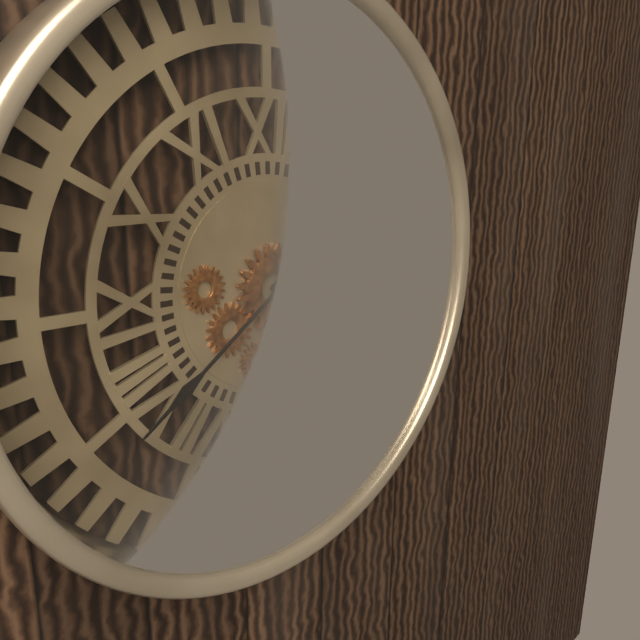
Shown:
**12:39**
